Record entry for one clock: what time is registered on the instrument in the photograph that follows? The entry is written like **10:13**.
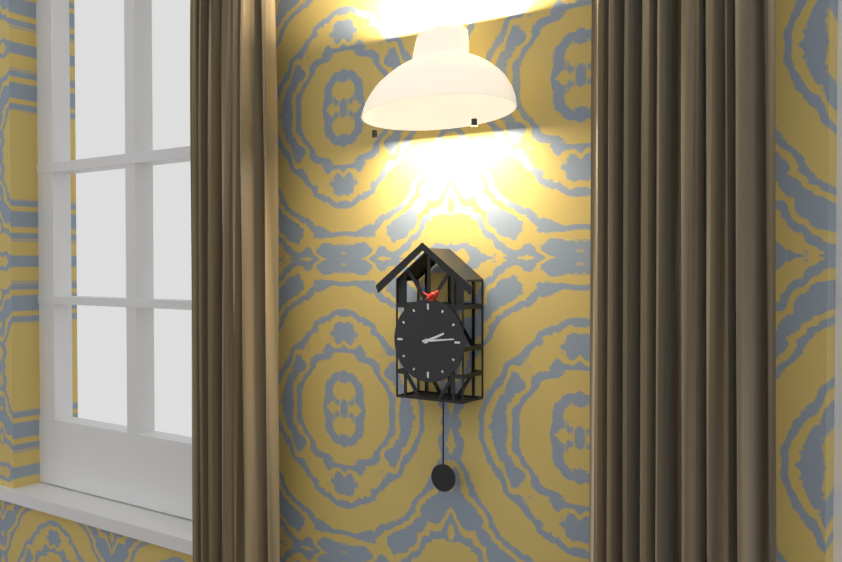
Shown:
**2:14**
